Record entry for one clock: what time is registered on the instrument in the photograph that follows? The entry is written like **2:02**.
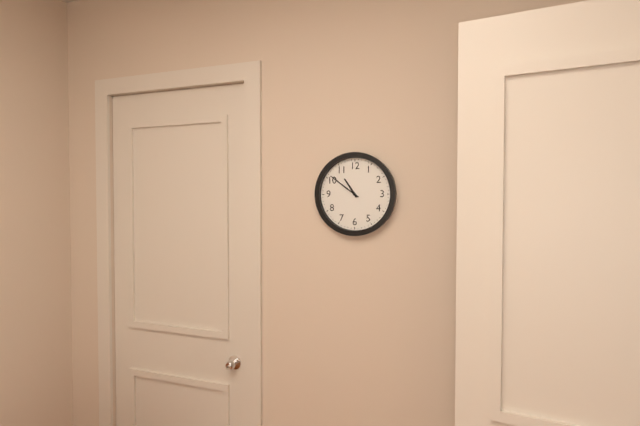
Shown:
**10:51**
